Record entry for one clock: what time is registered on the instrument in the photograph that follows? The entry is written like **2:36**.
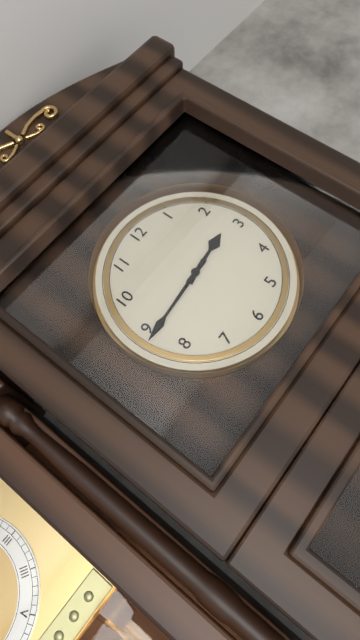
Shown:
**2:44**
